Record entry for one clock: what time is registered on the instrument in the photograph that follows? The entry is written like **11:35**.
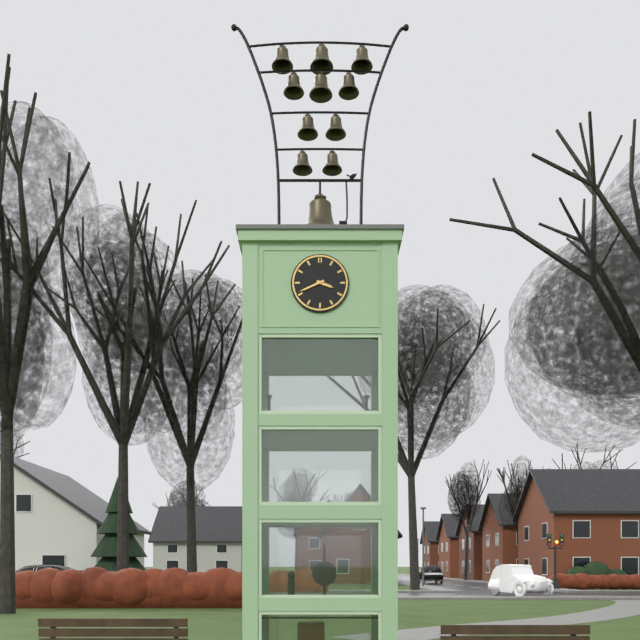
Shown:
**3:41**
